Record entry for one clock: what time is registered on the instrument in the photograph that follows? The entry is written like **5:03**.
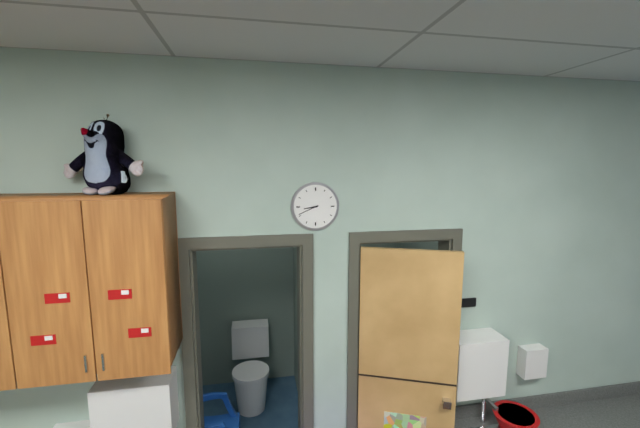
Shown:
**8:41**
